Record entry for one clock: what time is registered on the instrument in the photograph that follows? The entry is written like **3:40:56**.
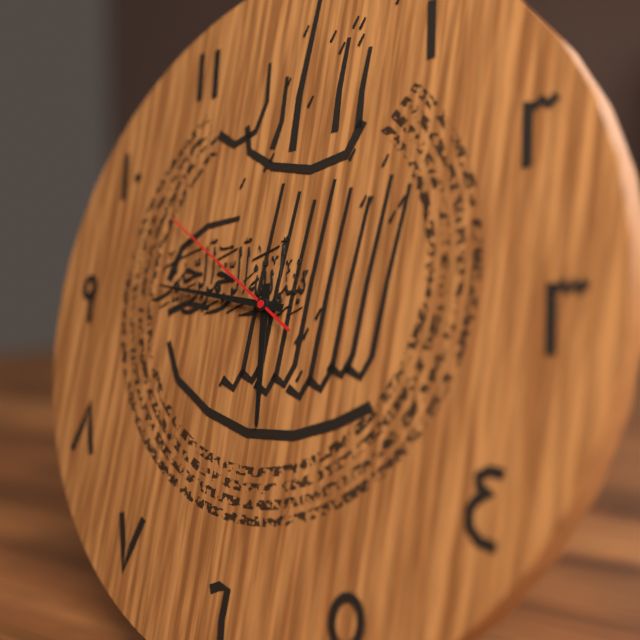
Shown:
**5:46:50**
